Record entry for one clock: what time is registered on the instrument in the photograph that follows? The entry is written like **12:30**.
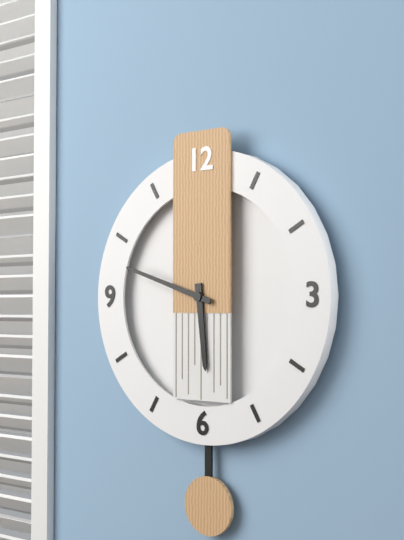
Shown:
**5:48**
